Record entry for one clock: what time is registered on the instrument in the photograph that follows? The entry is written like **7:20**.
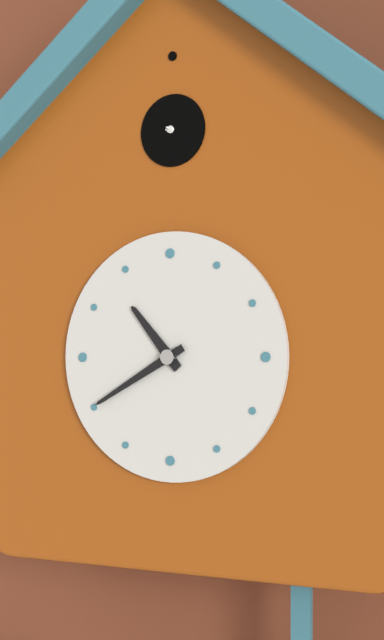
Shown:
**10:40**
